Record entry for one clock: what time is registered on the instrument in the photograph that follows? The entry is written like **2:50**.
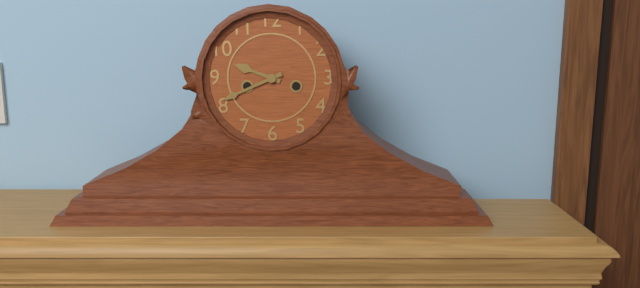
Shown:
**9:41**
